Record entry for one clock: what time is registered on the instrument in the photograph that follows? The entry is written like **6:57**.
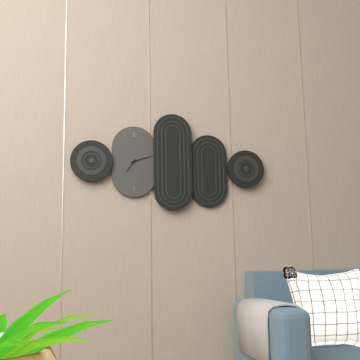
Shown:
**7:12**
